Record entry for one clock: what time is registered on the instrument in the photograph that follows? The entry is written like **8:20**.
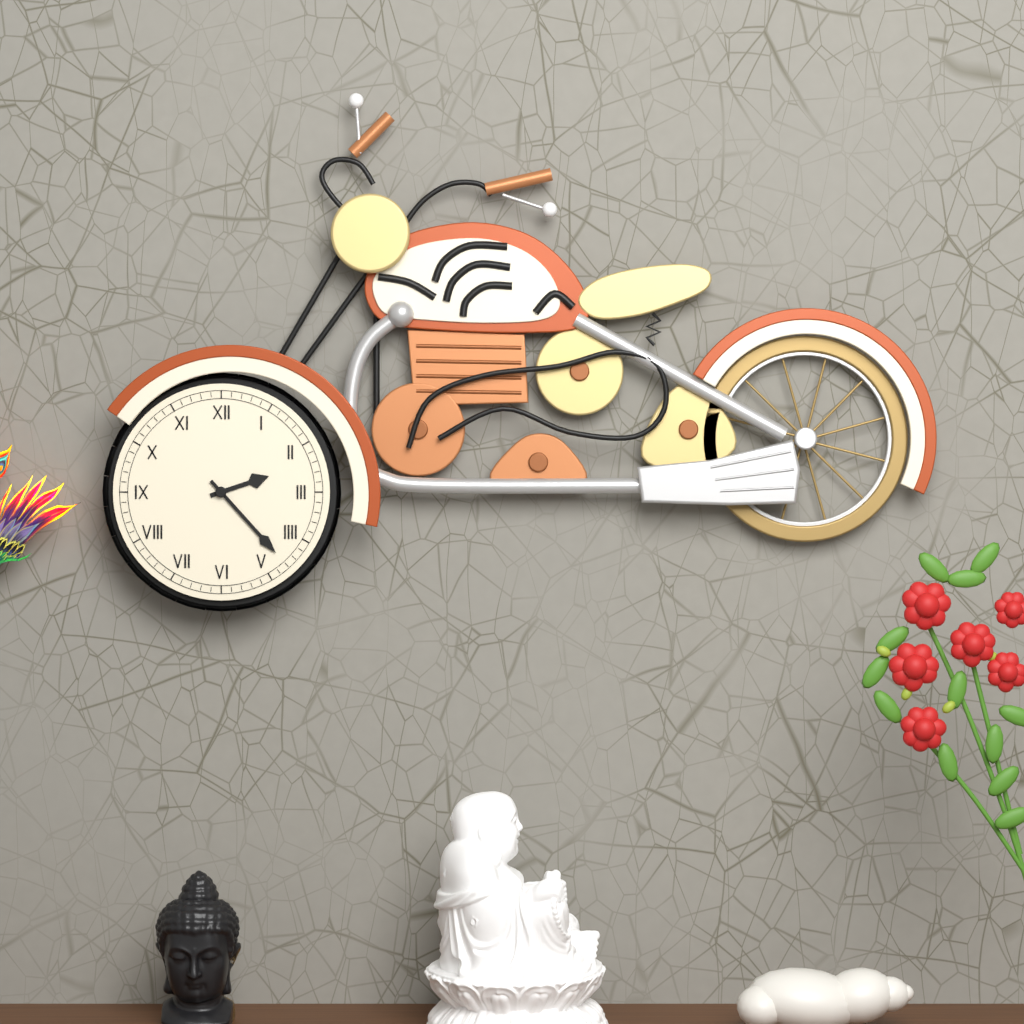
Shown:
**2:23**
